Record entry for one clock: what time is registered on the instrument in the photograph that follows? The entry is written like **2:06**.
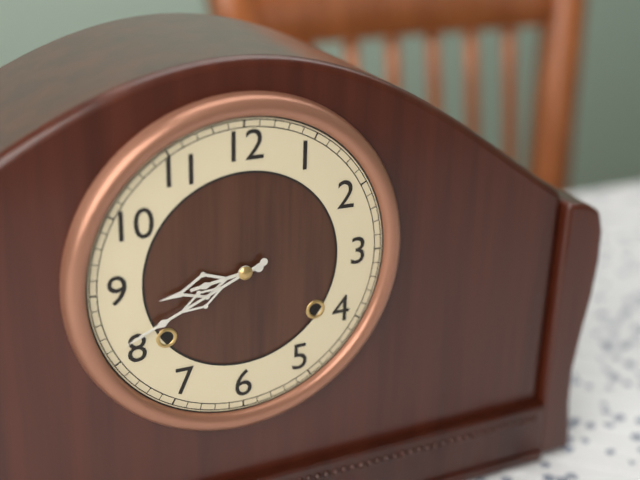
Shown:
**8:41**
